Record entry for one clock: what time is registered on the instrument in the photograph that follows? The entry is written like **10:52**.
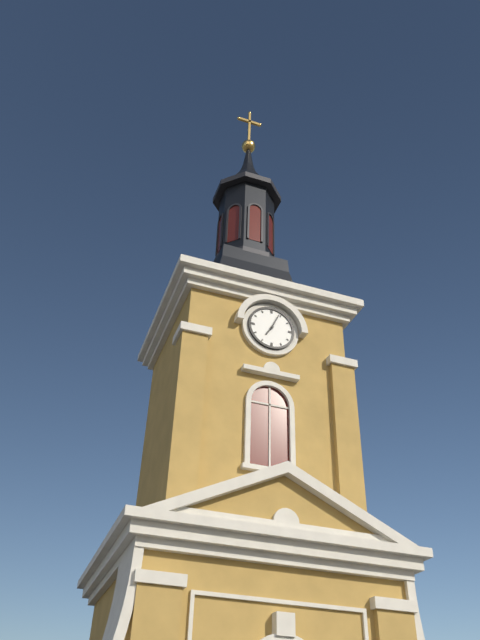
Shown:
**7:04**
